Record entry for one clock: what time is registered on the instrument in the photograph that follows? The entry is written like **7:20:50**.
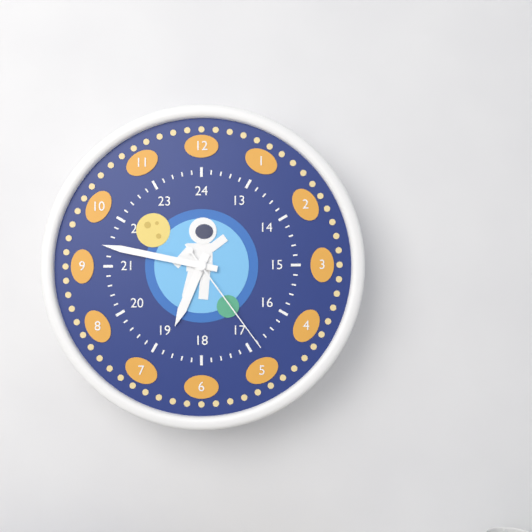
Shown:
**6:47:24**
